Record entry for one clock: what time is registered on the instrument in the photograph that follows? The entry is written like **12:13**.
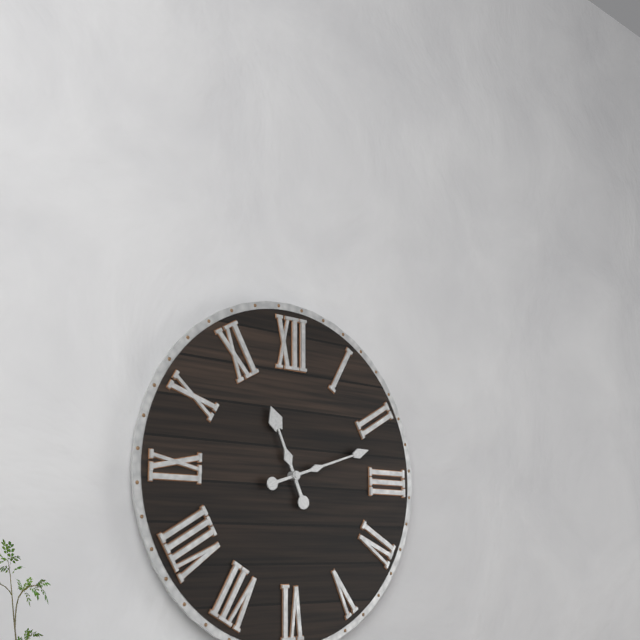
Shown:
**11:12**
